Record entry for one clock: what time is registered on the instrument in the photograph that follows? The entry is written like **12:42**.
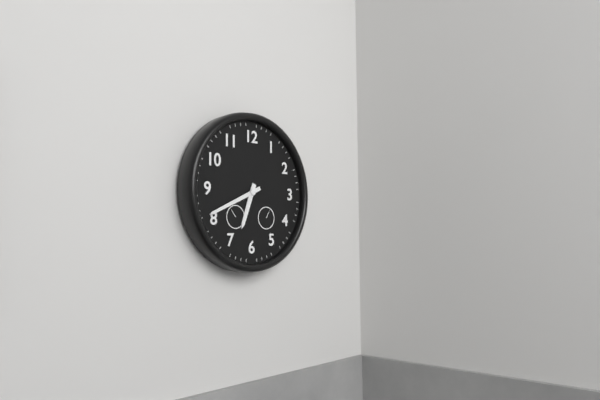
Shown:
**6:41**
